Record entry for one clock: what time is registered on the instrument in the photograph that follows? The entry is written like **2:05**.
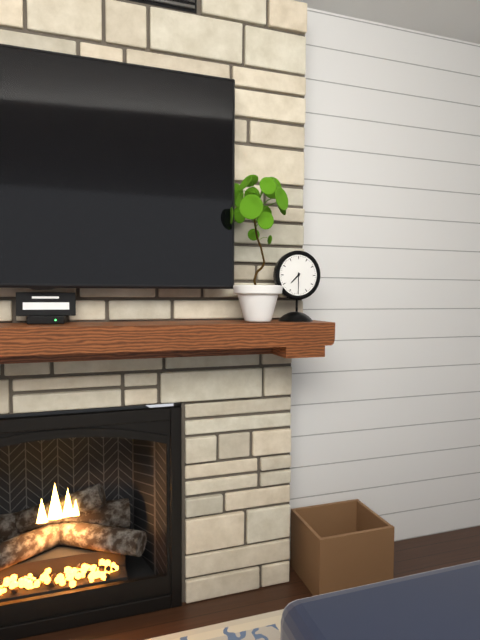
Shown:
**7:30**
